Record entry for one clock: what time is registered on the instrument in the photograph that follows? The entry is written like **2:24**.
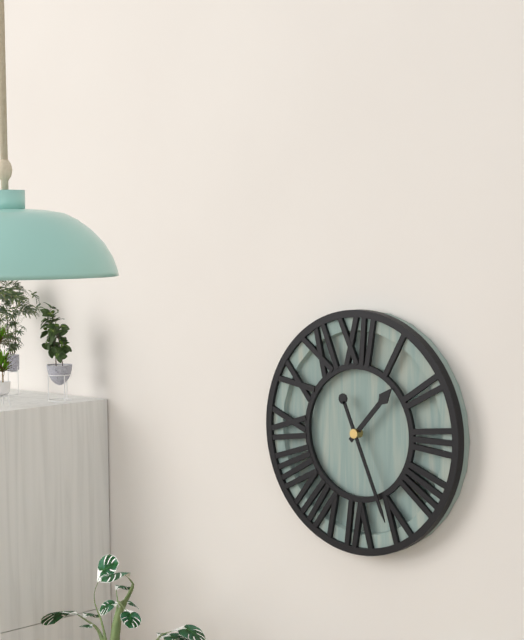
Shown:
**1:26**
